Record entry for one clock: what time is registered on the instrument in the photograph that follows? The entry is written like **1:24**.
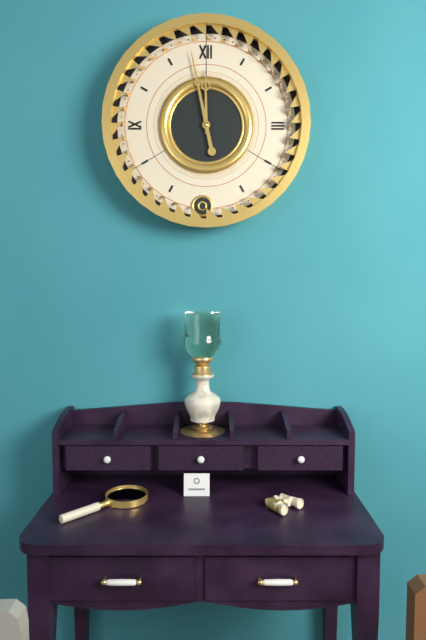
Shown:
**11:58**
